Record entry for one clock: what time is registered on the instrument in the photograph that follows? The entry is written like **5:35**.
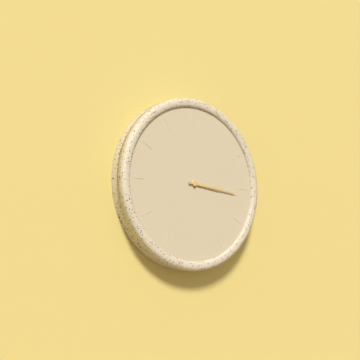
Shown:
**3:16**
